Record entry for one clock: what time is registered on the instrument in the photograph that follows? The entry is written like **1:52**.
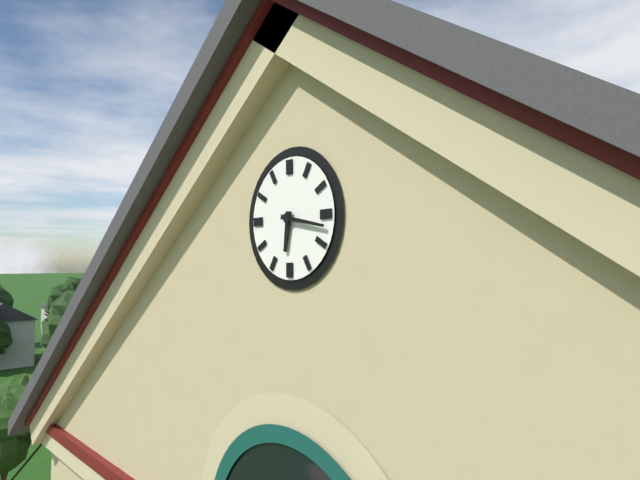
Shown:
**6:17**
